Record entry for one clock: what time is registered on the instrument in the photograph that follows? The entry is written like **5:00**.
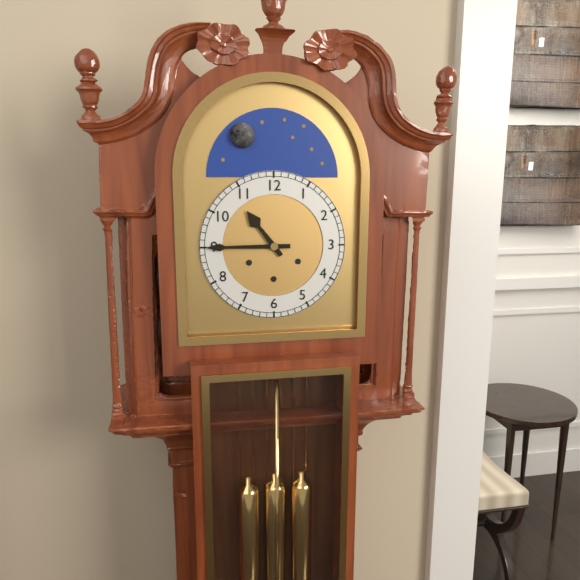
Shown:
**10:45**
